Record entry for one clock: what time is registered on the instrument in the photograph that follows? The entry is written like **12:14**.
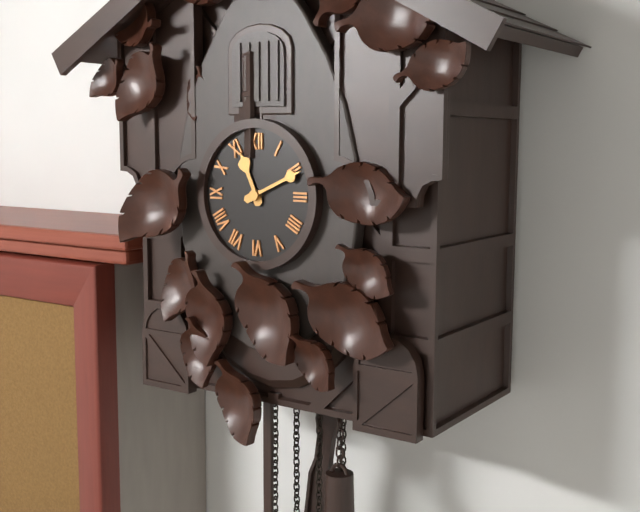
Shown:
**11:11**
